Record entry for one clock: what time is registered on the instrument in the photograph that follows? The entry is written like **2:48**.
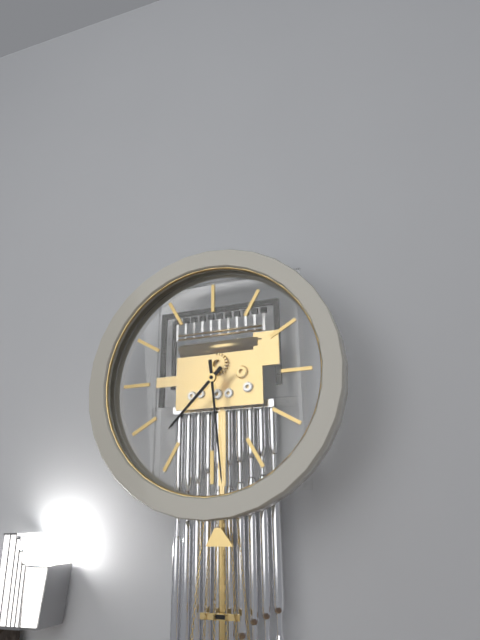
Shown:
**7:29**
